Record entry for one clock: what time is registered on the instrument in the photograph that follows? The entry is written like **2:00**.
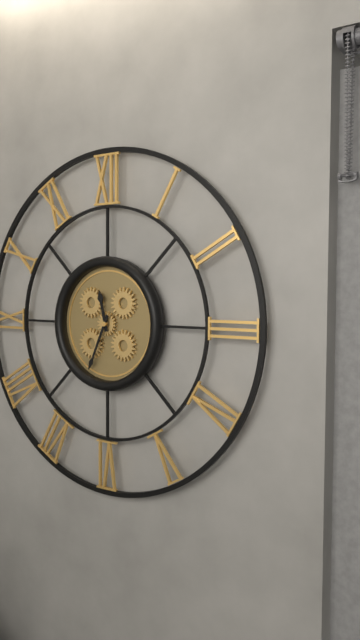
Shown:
**11:34**
